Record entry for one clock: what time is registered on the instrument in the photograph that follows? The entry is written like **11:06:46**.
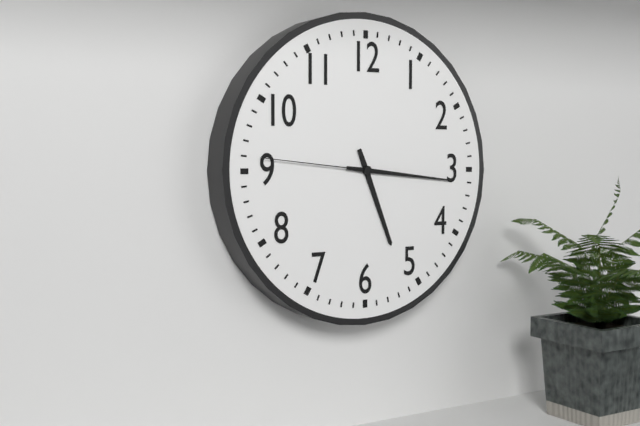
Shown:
**5:16:46**
